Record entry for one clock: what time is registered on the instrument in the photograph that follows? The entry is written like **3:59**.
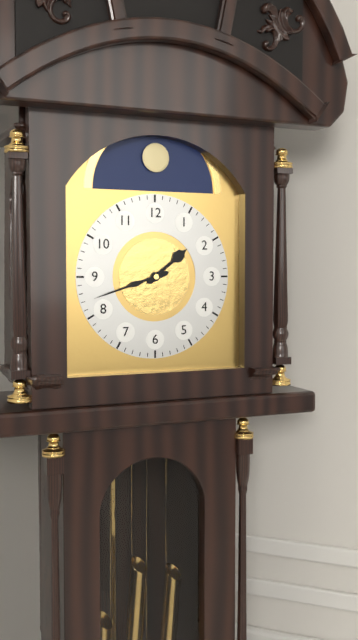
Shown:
**1:42**
